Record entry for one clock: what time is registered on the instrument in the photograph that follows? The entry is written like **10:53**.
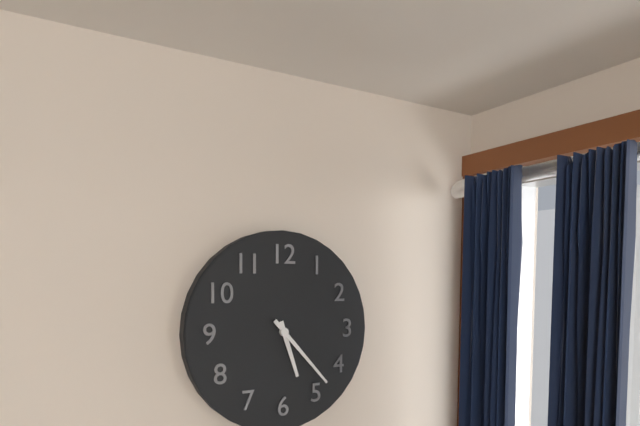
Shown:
**5:23**
